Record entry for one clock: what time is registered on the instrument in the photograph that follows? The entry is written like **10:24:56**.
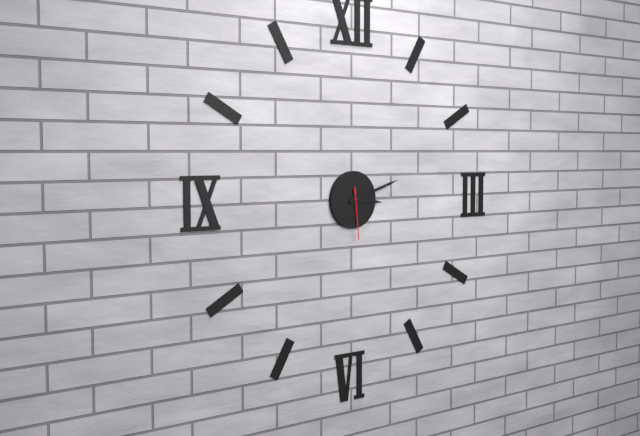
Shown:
**3:12:29**
